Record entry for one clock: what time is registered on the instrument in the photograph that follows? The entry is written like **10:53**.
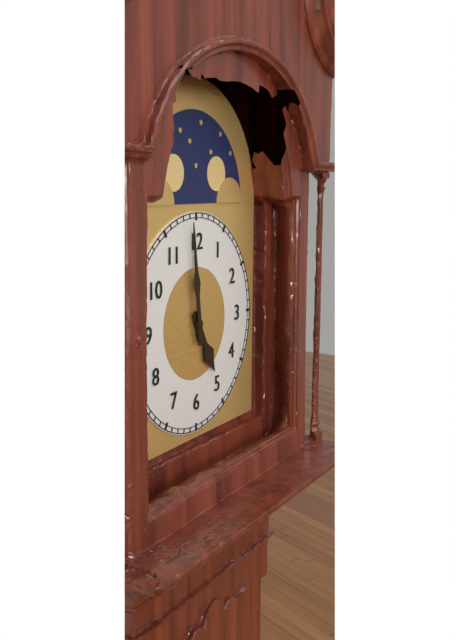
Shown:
**4:59**
